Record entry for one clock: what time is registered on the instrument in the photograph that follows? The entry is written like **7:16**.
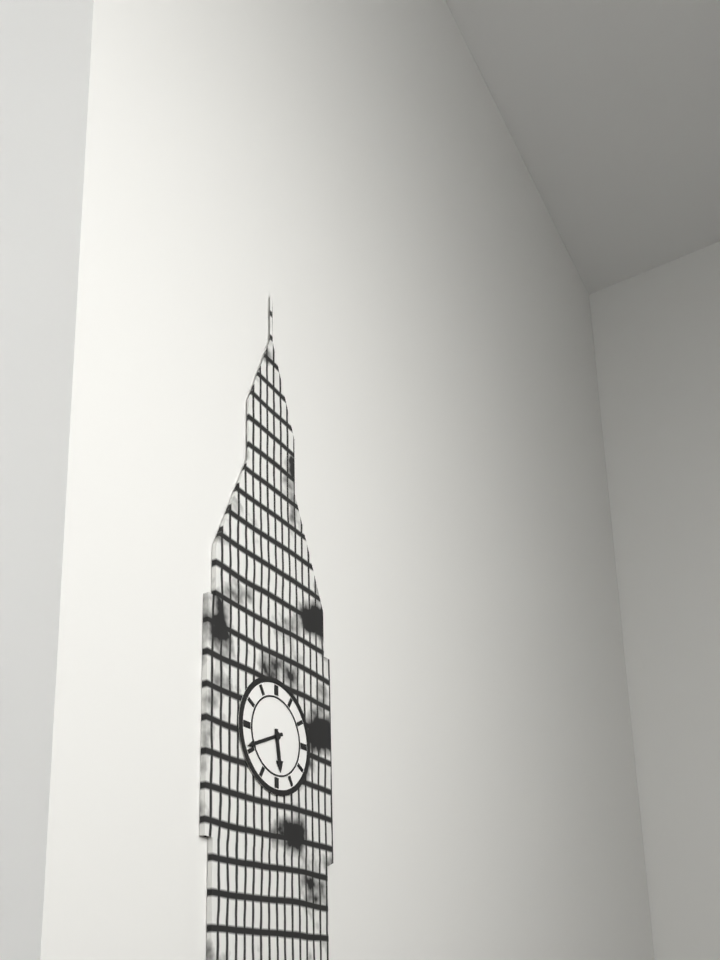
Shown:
**5:41**
